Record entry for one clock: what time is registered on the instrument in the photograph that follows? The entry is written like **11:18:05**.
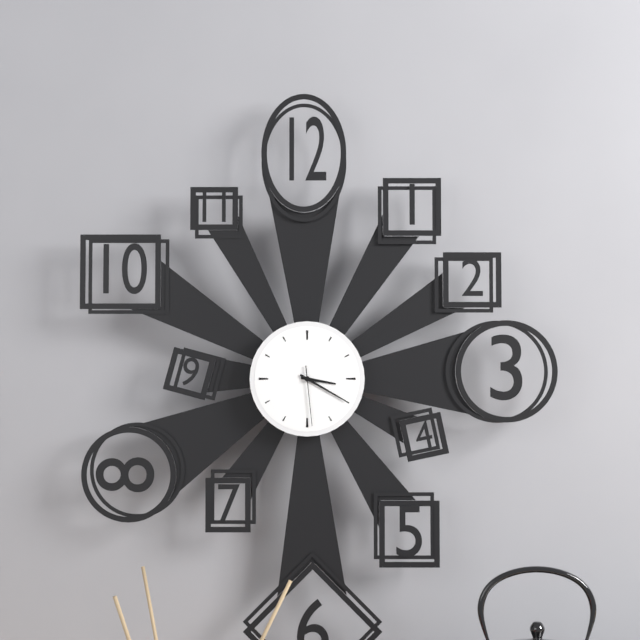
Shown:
**3:20:29**
